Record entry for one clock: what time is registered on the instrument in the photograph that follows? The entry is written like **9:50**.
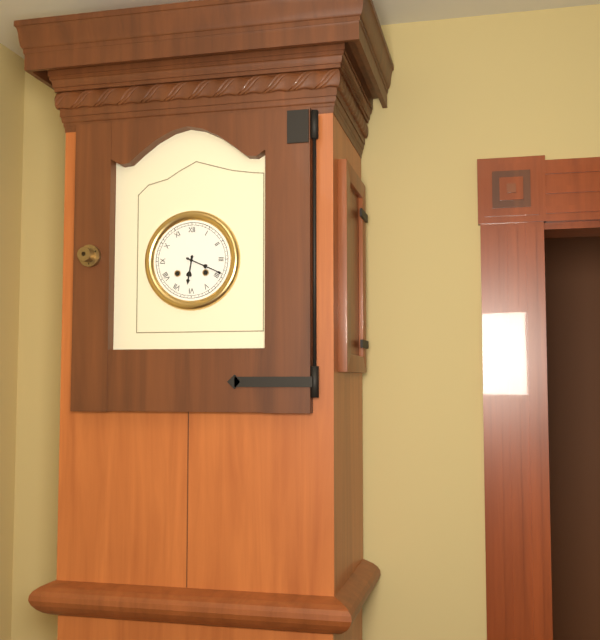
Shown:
**6:19**
